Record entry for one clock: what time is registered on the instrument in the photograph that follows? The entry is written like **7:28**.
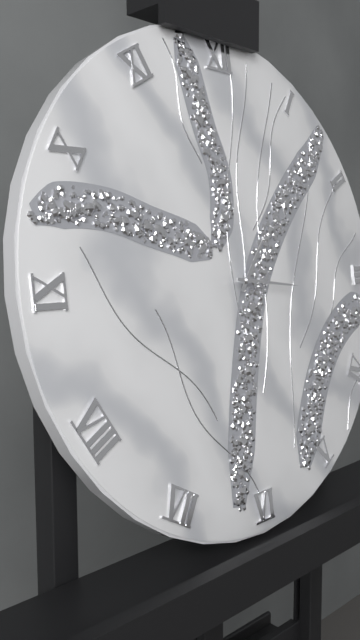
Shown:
**1:16**
